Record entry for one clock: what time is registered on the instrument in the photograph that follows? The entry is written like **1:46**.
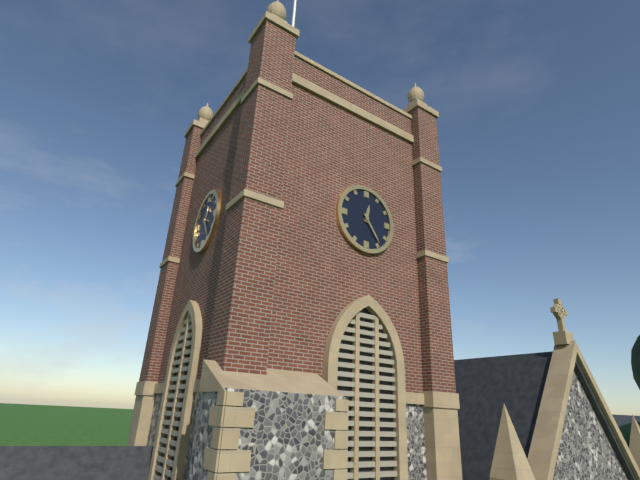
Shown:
**12:24**
